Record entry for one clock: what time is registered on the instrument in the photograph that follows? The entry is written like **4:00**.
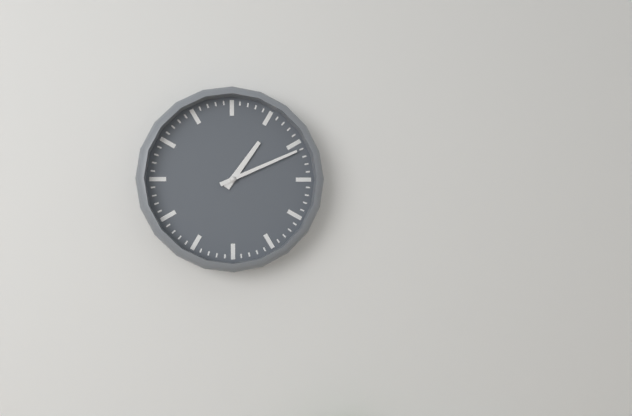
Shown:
**1:11**
